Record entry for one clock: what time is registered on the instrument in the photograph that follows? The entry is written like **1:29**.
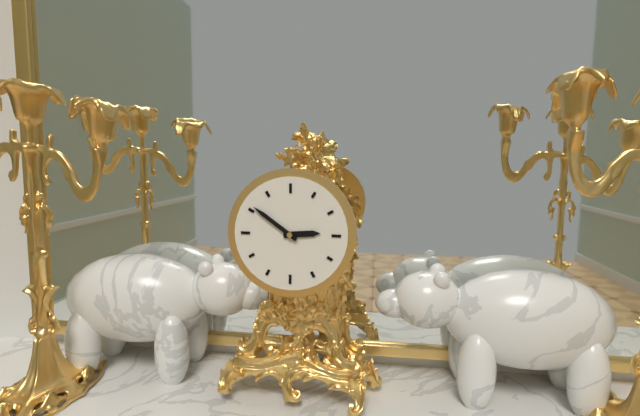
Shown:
**2:51**
